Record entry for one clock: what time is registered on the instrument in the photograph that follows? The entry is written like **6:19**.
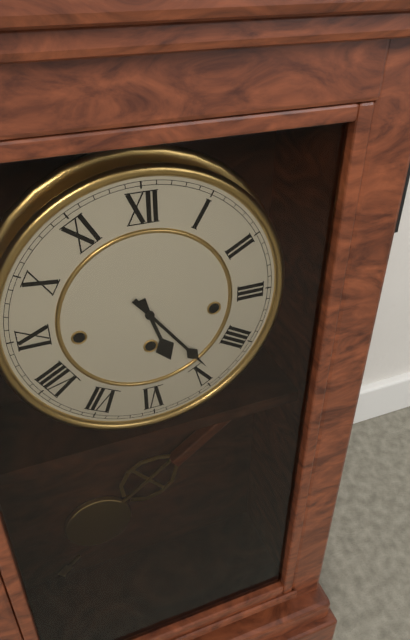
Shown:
**5:24**
